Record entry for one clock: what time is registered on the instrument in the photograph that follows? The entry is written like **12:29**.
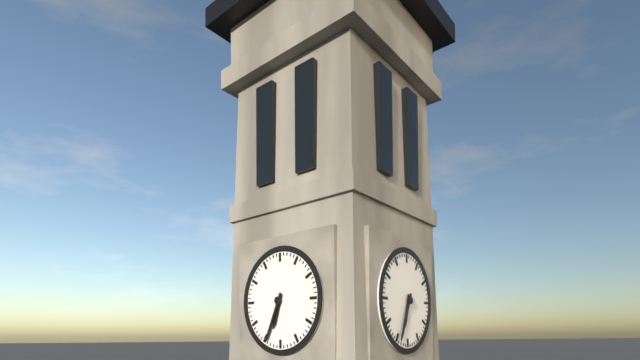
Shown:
**6:34**
